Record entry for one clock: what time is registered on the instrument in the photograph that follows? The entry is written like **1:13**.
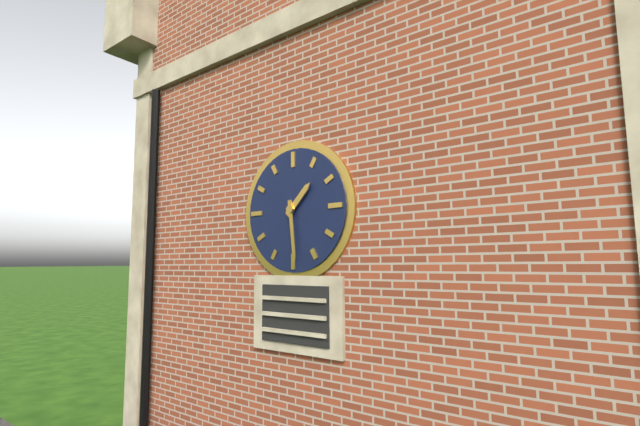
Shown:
**1:29**
